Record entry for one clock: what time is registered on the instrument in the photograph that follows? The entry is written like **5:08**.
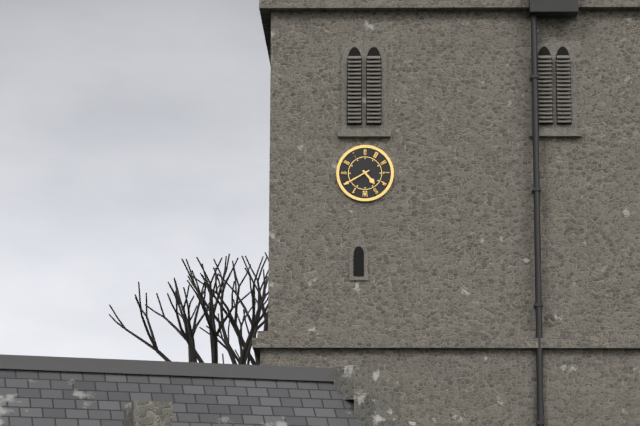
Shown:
**4:40**
